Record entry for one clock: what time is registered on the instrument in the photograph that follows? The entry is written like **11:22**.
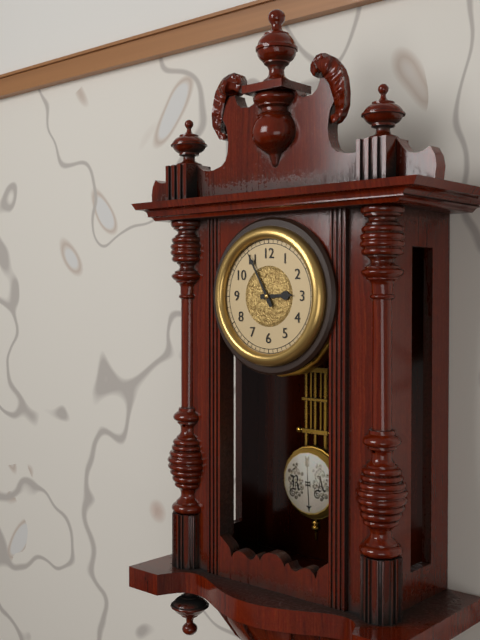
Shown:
**2:55**
